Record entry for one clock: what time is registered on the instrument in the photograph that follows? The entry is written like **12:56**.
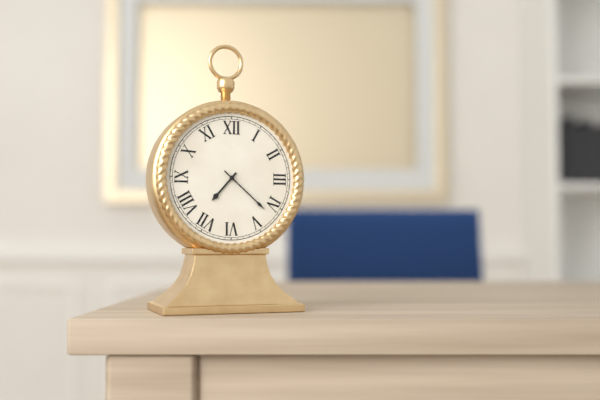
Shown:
**7:22**
